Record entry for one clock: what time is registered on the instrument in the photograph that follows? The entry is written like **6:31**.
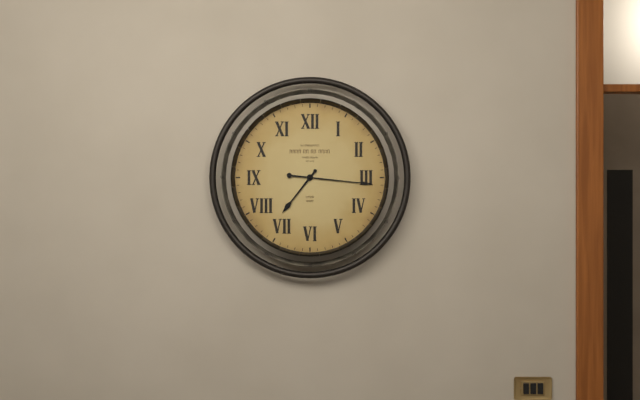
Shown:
**7:16**
